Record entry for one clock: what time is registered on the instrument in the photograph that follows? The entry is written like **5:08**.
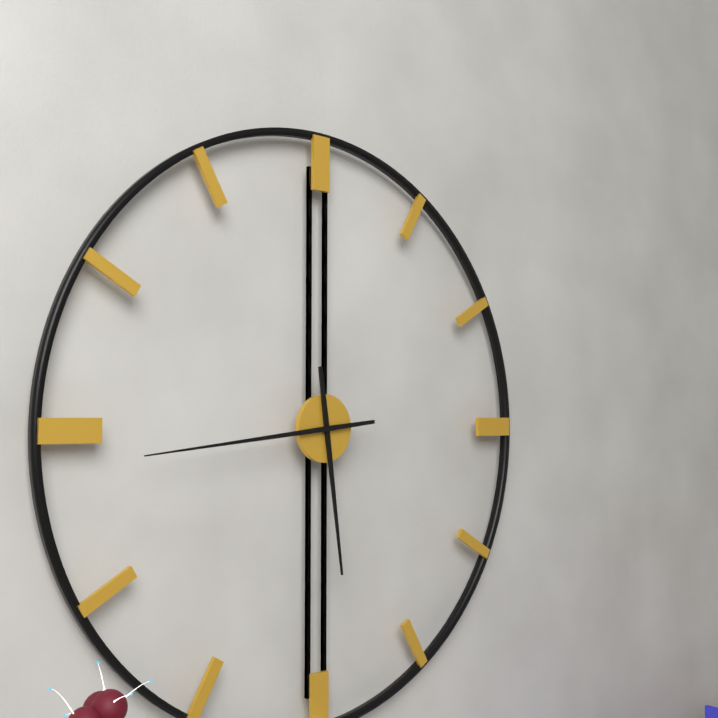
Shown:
**5:44**
